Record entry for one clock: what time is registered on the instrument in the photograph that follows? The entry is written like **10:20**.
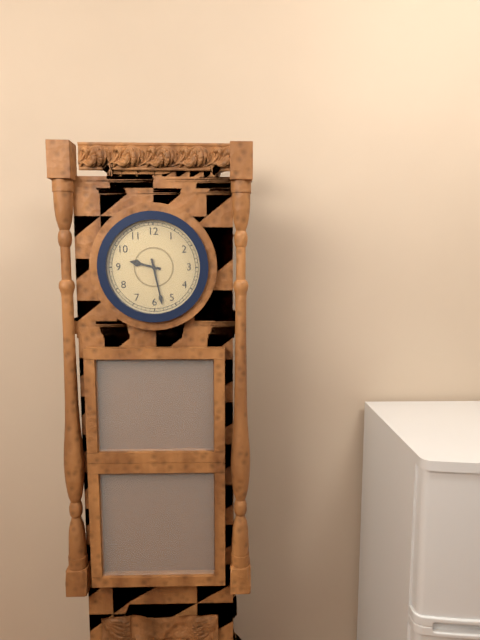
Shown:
**9:28**
